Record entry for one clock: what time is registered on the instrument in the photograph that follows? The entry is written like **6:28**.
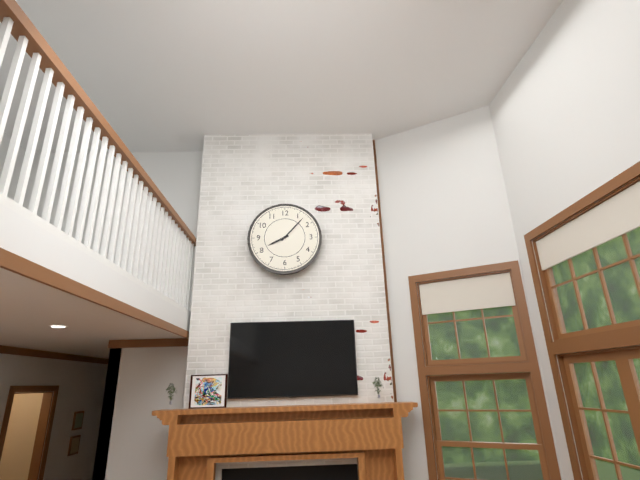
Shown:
**8:07**
